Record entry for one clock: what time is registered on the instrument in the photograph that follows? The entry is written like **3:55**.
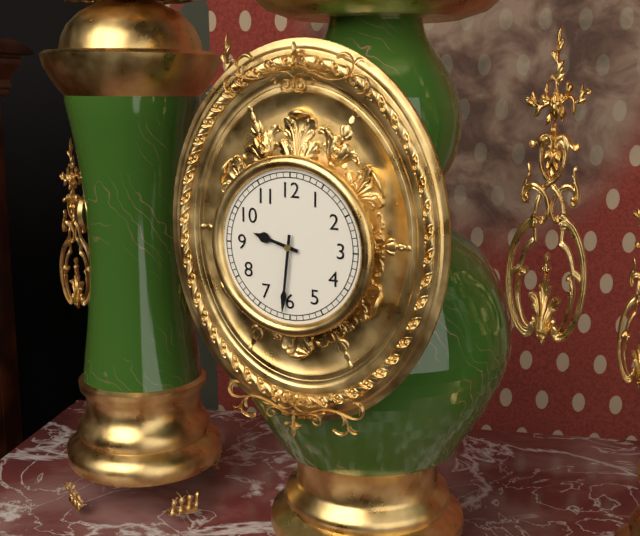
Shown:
**9:31**
